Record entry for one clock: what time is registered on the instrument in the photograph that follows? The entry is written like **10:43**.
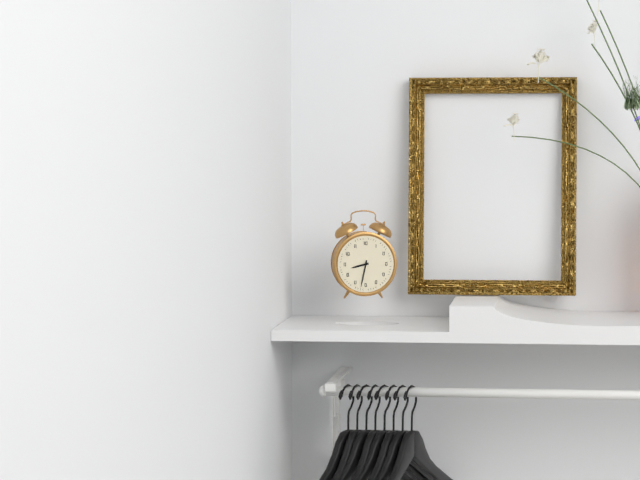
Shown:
**8:32**
